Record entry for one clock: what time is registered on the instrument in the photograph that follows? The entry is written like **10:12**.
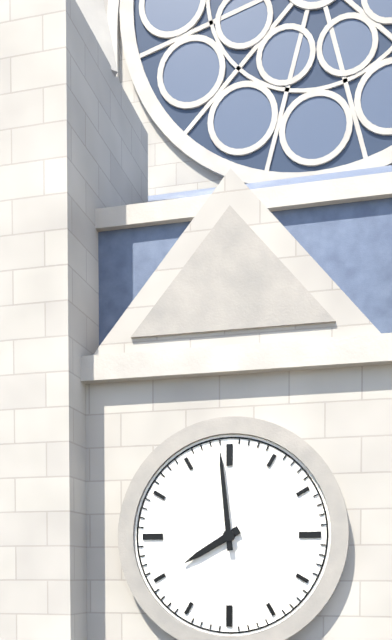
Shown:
**7:59**
